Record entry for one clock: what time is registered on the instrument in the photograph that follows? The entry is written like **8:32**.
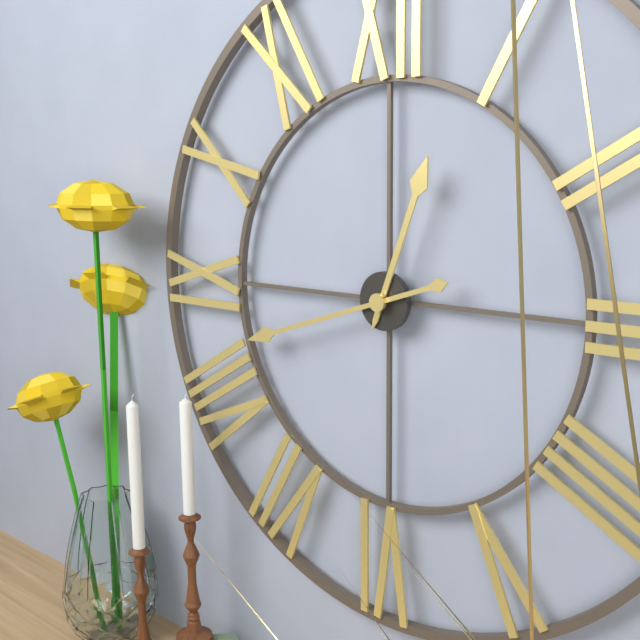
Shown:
**12:42**
